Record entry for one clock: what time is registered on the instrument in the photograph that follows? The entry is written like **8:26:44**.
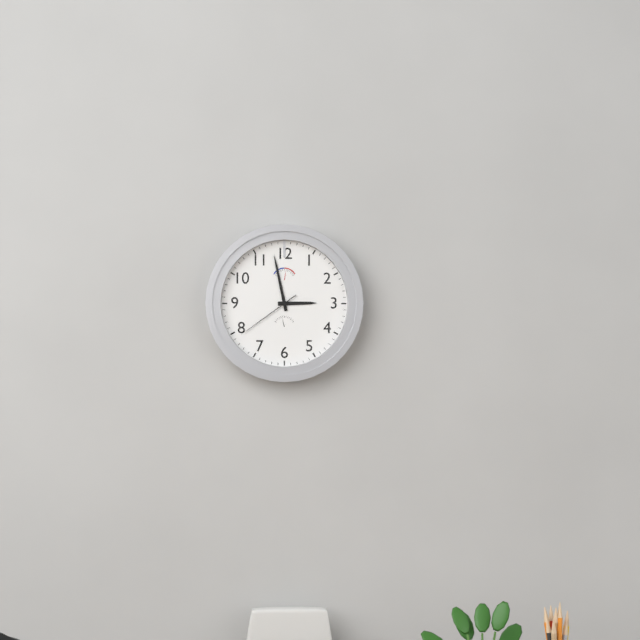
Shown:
**2:58:39**
